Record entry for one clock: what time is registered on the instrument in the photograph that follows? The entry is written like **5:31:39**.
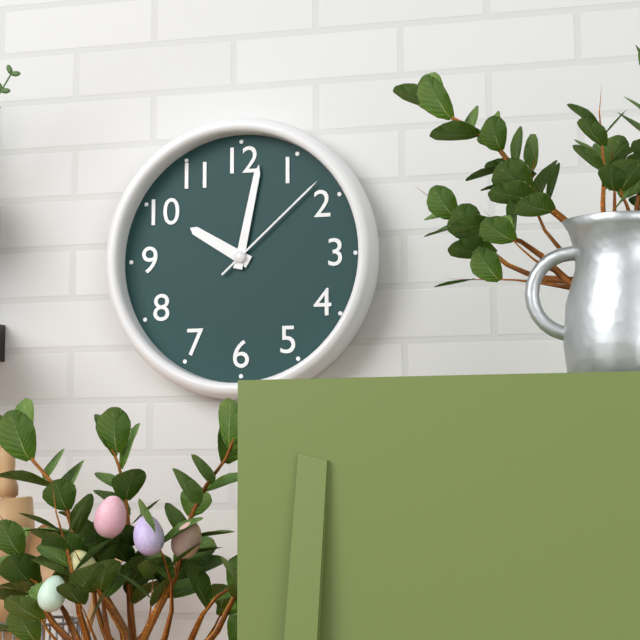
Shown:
**10:02:08**
